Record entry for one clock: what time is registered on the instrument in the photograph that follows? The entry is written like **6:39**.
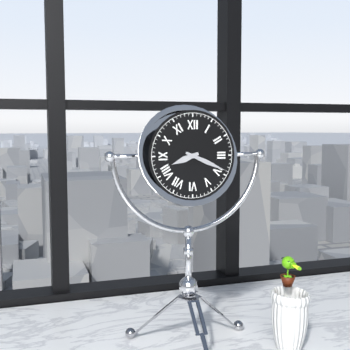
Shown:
**8:19**
